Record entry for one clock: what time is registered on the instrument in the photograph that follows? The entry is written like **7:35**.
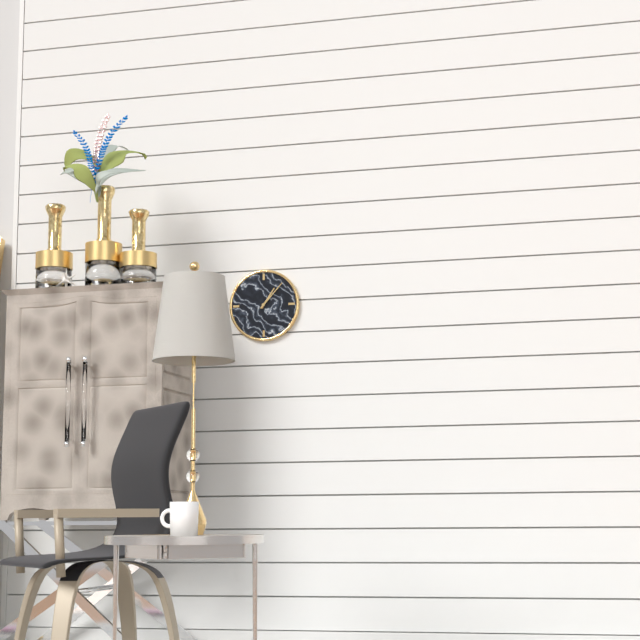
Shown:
**1:07**
